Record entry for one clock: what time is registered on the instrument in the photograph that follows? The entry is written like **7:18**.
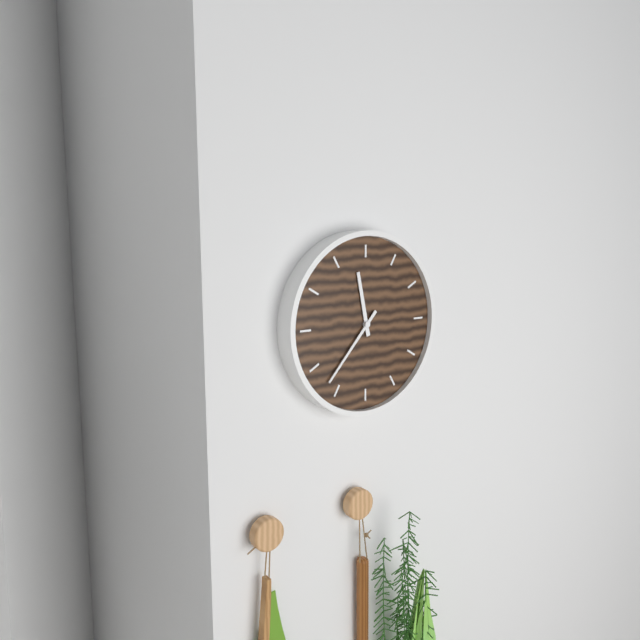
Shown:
**11:37**
